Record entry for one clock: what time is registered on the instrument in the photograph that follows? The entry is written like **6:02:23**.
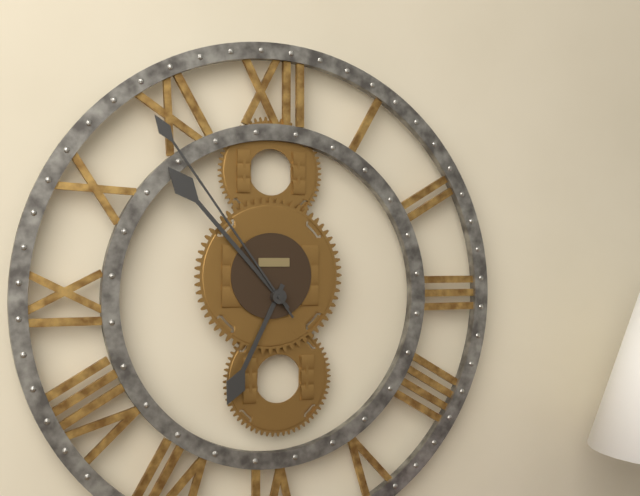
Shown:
**6:53:54**
